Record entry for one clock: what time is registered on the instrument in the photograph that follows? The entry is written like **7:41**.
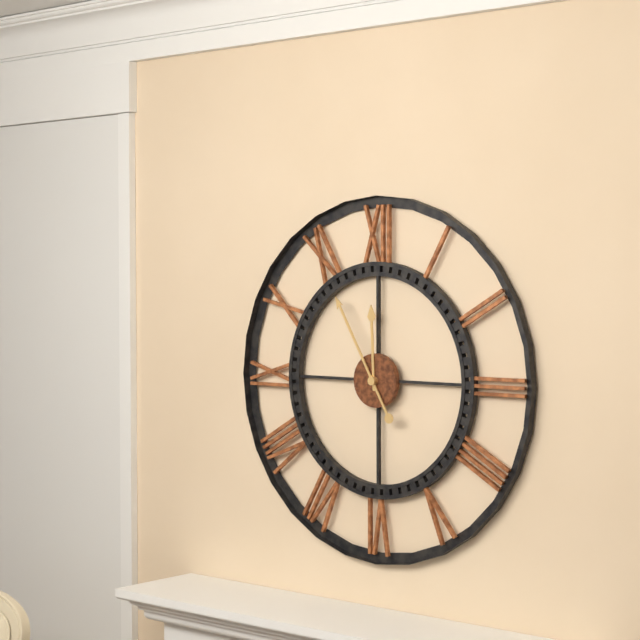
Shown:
**11:55**
